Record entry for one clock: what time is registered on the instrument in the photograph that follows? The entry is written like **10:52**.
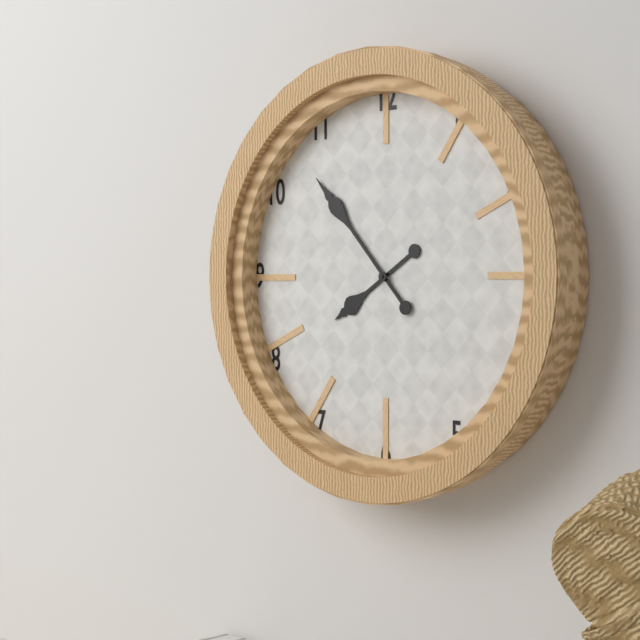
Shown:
**7:53**
